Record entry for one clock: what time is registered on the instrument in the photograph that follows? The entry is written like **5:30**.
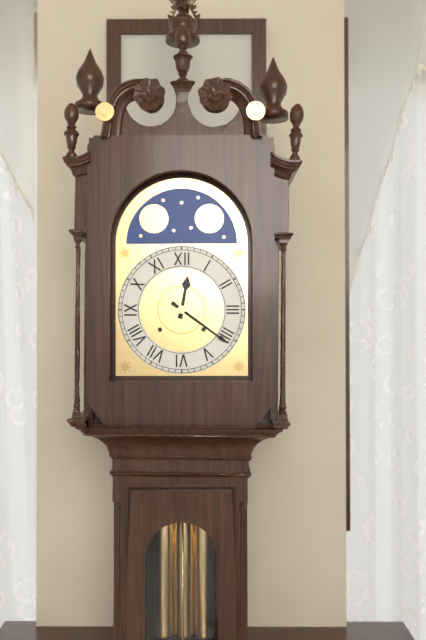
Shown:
**12:21**
